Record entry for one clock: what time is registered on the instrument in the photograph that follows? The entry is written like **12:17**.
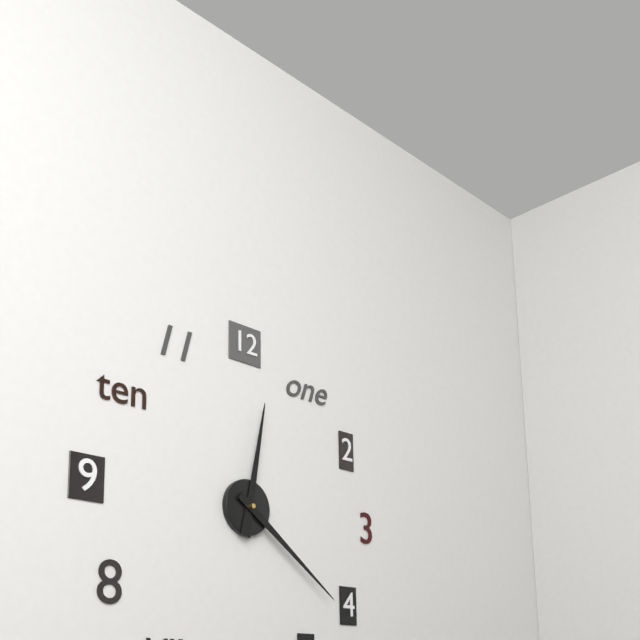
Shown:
**12:21**
